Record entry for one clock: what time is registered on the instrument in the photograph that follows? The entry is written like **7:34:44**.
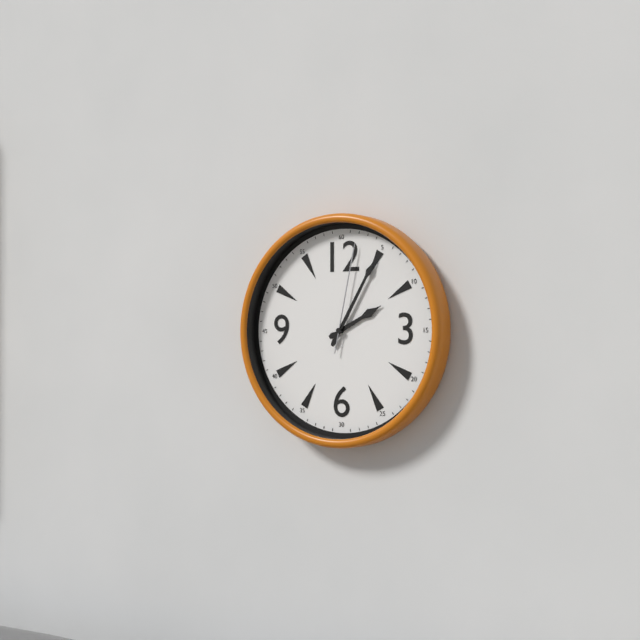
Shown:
**2:05:02**
